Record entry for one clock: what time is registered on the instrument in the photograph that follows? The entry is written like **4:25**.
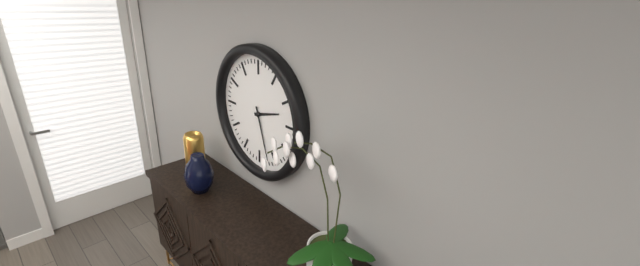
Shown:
**2:27**
